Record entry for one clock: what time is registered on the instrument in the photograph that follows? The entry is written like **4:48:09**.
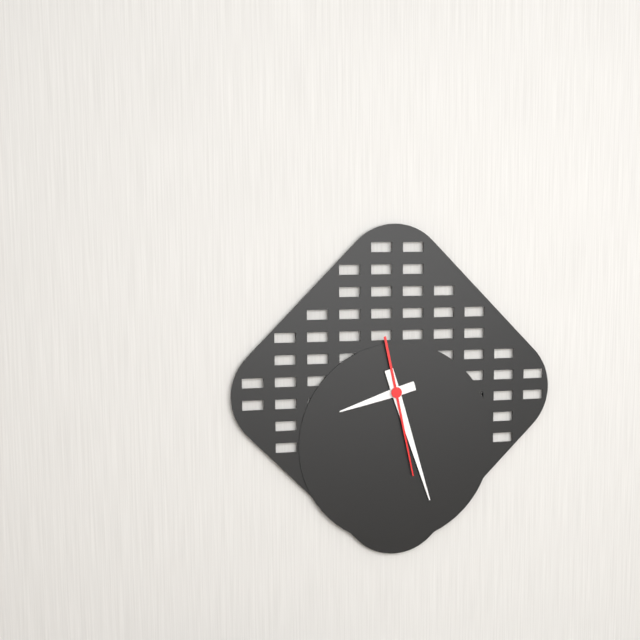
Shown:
**8:27:28**
